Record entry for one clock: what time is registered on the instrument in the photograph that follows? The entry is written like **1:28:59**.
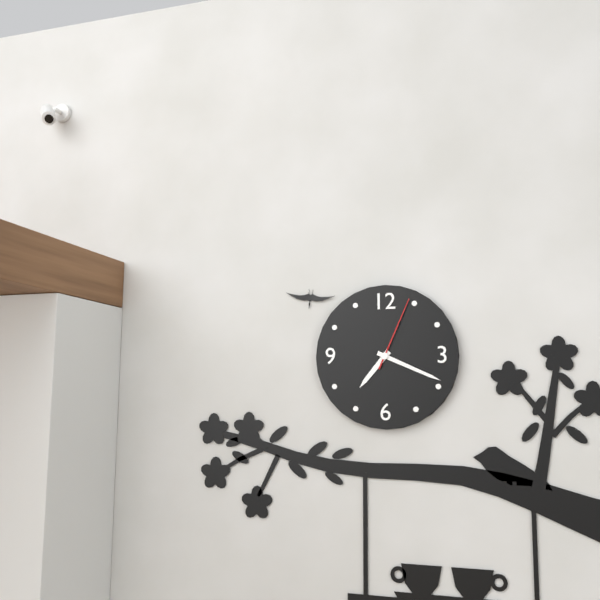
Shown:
**7:19:04**
